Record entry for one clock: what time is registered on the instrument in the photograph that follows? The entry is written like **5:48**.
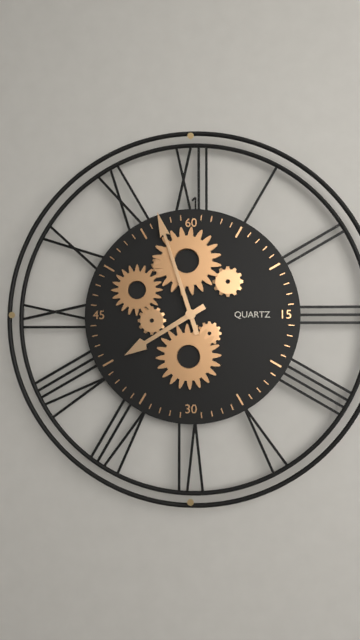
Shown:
**7:57**
